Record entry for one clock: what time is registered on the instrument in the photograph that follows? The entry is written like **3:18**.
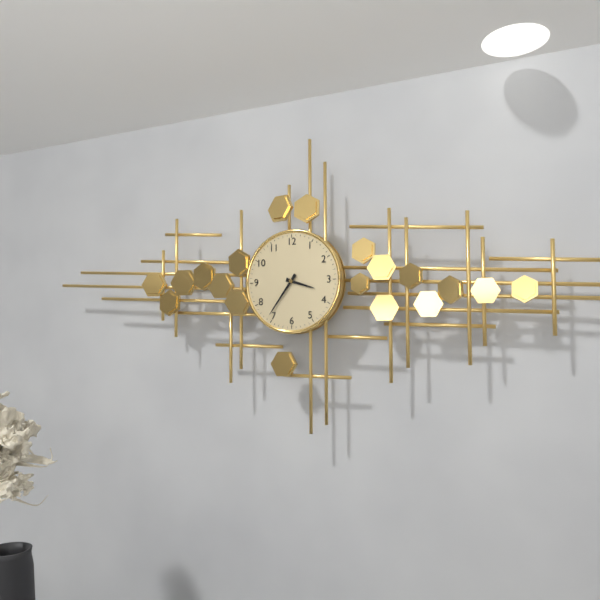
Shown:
**3:36**
